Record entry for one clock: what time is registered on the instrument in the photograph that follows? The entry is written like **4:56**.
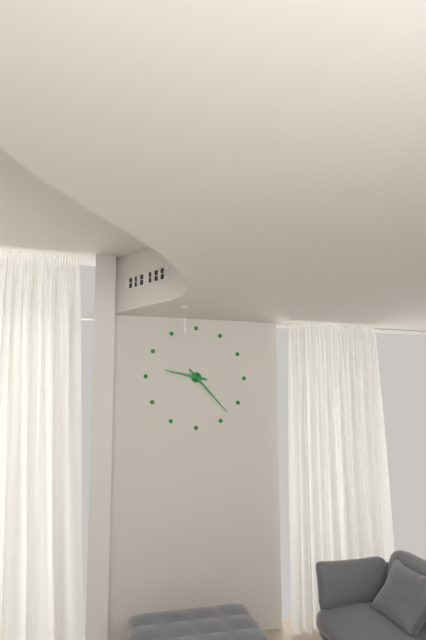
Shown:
**9:23**
